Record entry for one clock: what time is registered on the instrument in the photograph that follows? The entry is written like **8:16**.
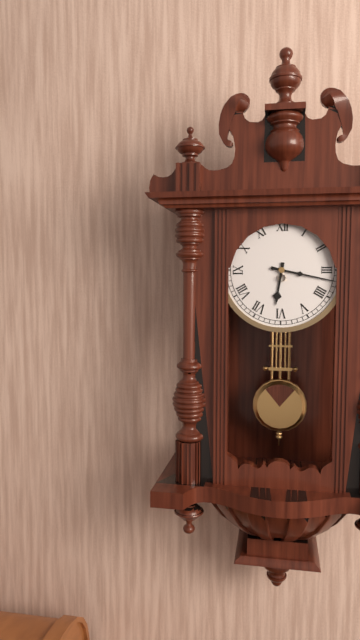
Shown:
**6:17**
